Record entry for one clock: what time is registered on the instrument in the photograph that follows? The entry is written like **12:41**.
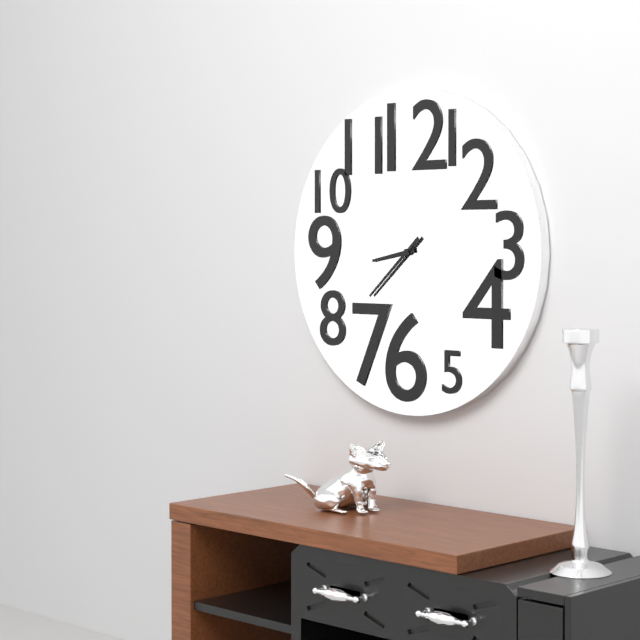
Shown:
**8:38**
